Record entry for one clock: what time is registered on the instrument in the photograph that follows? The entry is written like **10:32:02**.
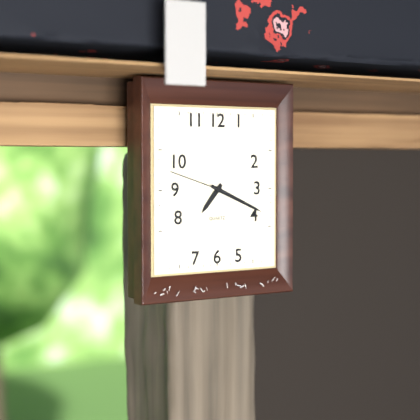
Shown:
**7:19:48**
